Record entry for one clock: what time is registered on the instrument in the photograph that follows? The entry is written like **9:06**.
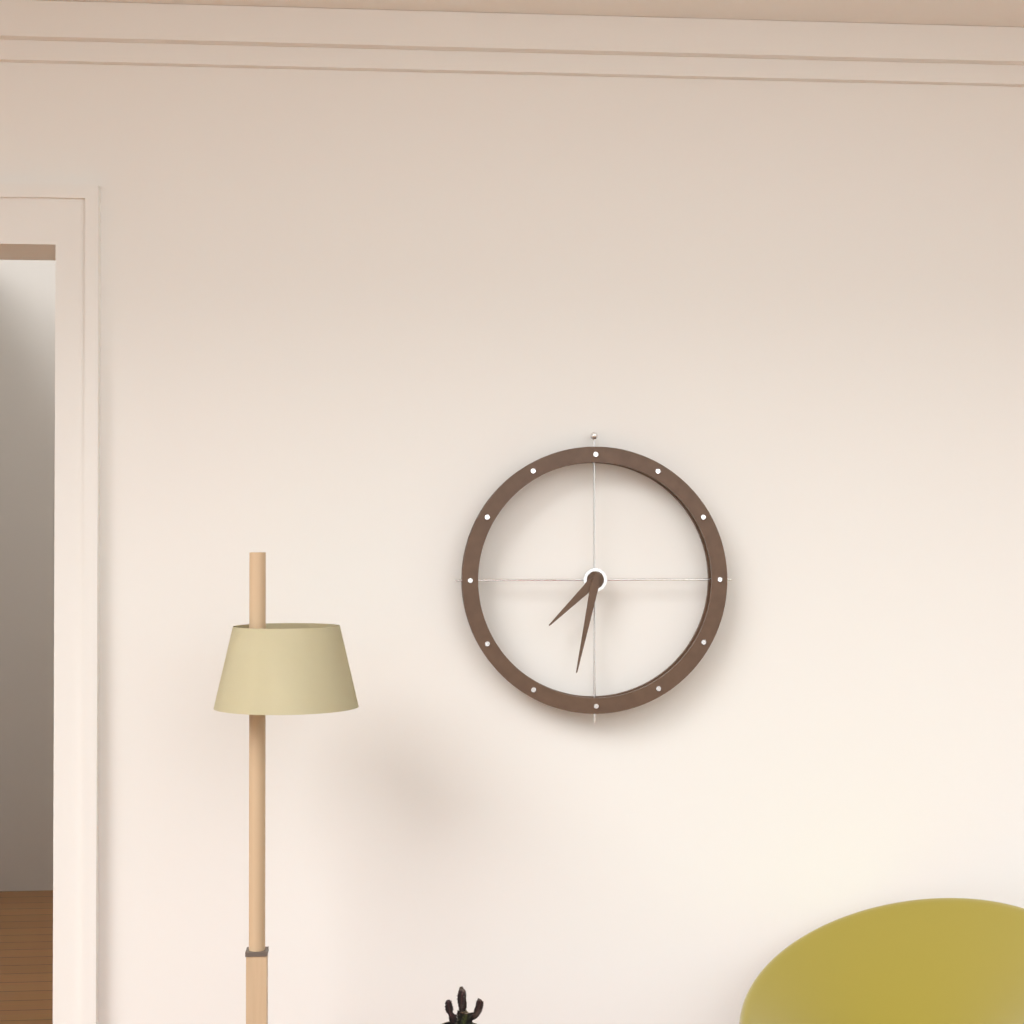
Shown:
**7:32**
